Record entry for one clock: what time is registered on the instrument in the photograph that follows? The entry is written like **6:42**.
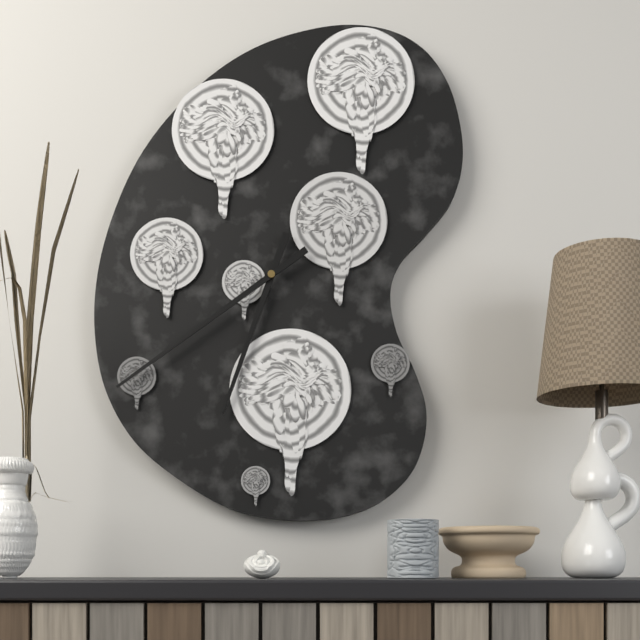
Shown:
**6:39**
